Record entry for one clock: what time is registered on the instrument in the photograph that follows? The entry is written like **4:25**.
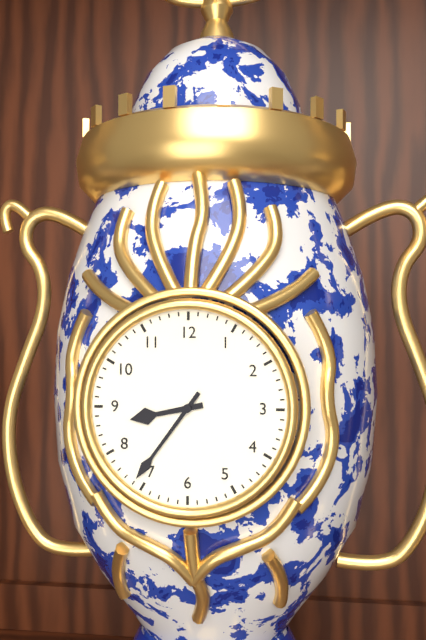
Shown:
**8:36**
